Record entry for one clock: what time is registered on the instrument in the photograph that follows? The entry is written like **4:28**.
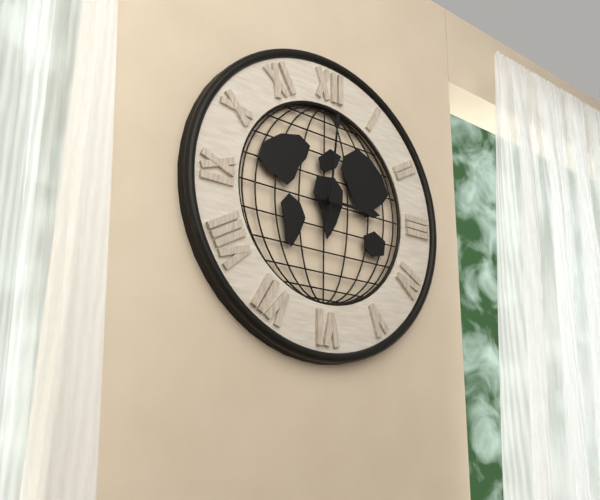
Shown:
**3:01**
